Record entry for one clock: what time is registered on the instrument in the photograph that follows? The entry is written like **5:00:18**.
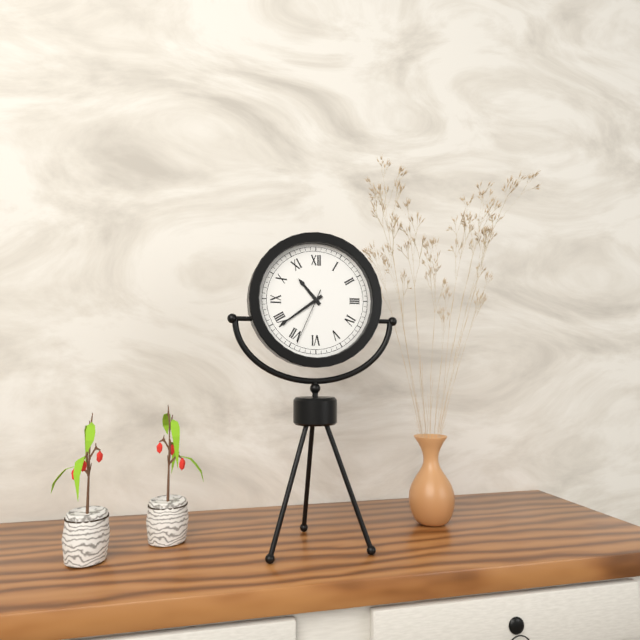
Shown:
**10:39:34**
